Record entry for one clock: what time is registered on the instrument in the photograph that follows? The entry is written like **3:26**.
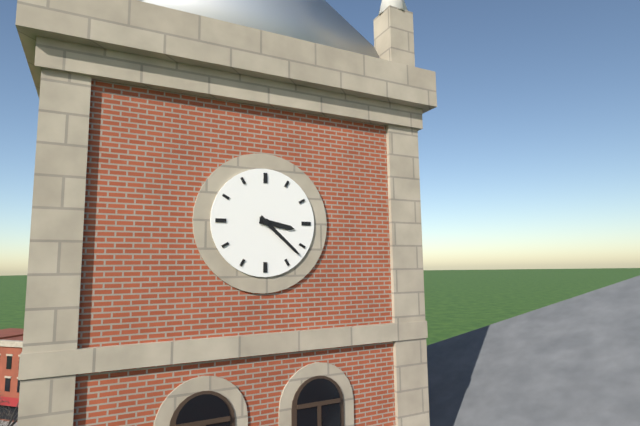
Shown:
**3:22**
